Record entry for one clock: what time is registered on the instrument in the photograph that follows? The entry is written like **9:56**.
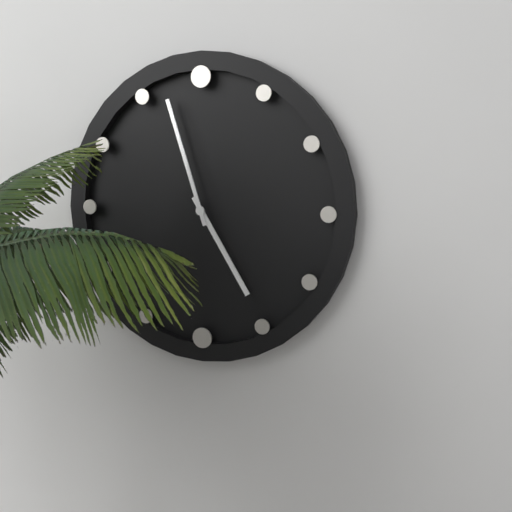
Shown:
**4:57**
